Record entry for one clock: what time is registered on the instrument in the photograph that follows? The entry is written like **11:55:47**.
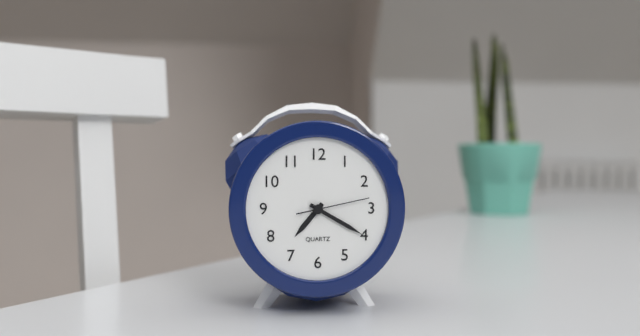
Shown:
**7:20:13**
